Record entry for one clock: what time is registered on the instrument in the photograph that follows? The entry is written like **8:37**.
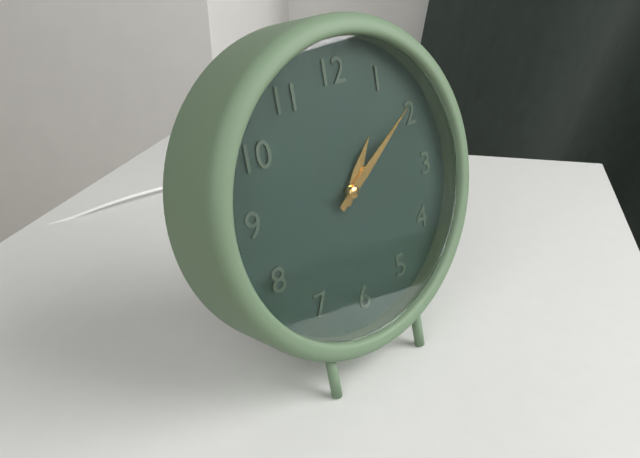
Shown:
**1:09**
